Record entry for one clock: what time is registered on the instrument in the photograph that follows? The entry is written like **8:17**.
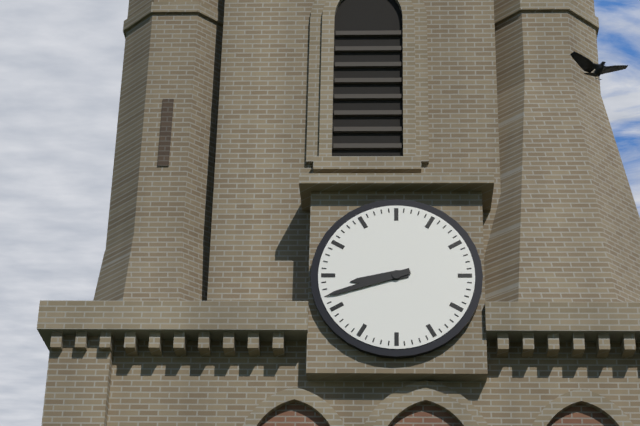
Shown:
**8:42**
